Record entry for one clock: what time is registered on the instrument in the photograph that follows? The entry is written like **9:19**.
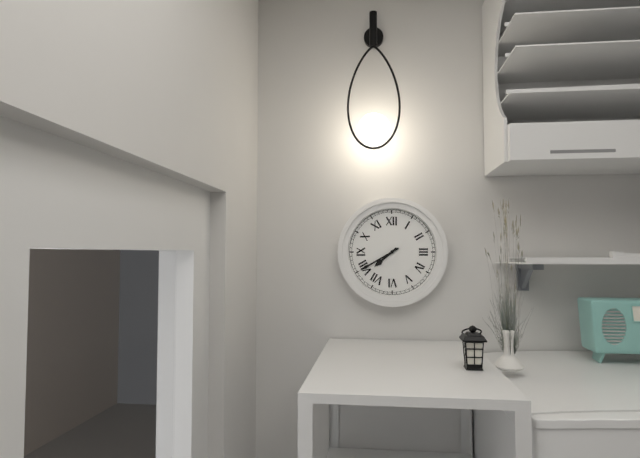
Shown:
**7:40**
